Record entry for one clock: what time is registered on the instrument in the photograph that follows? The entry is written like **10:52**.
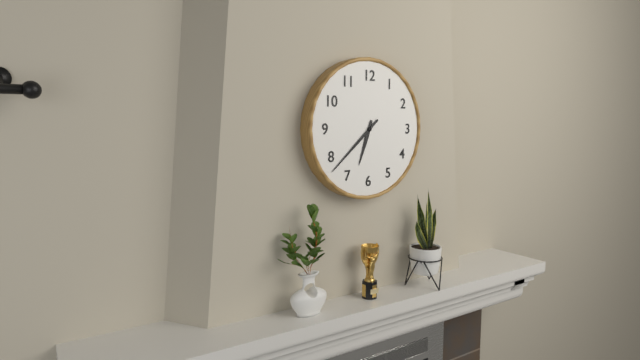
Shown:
**6:38**
